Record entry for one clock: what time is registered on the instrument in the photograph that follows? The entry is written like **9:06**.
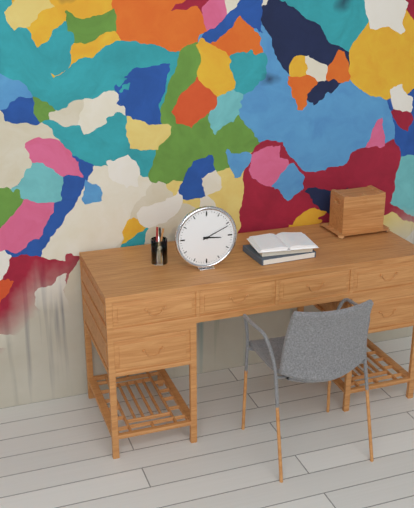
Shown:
**3:11**
